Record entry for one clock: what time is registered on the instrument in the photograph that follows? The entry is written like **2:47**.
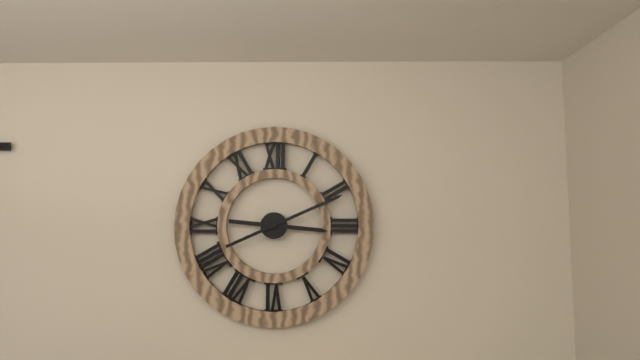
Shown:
**3:11**
